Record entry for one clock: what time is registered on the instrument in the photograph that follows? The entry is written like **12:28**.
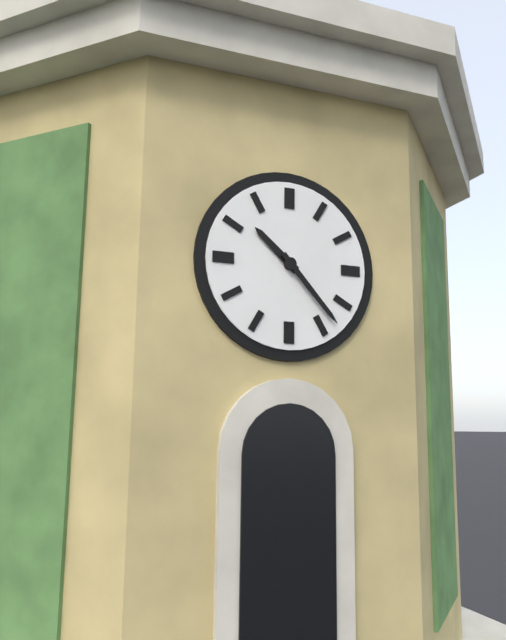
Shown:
**10:23**
